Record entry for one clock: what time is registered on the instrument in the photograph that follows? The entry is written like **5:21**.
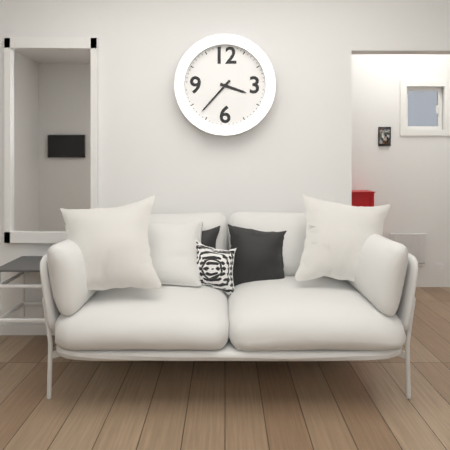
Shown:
**3:37**
